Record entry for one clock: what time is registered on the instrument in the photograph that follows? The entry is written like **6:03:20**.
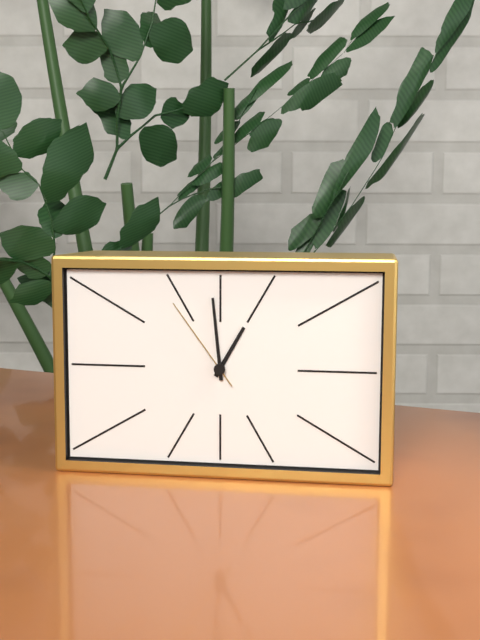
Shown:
**12:59:54**
